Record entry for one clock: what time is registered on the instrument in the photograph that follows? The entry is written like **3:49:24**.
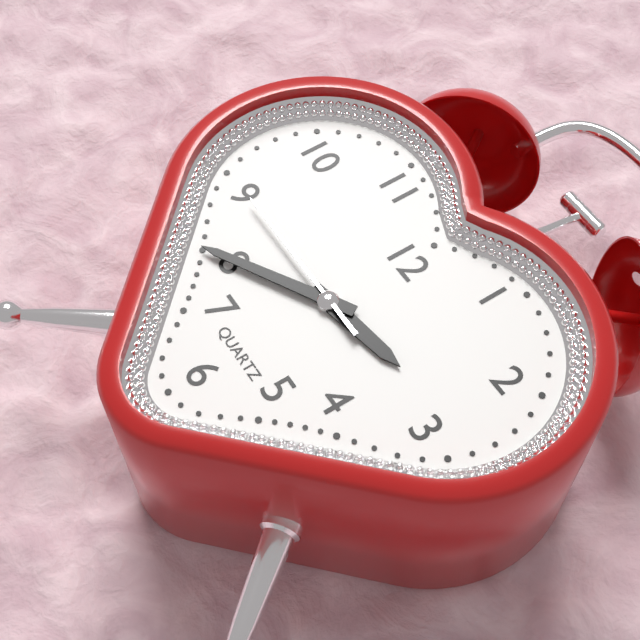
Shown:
**2:40:45**
